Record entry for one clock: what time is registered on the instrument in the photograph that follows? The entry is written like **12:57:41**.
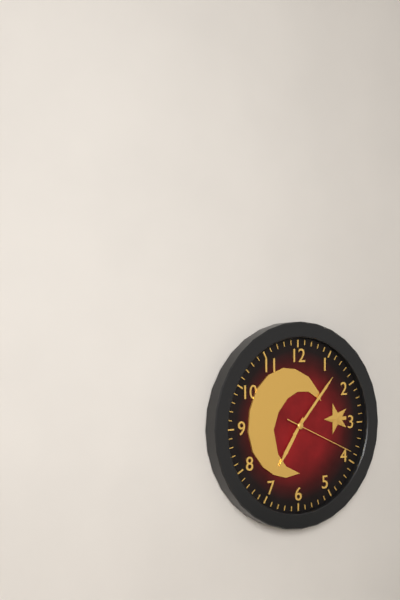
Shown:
**7:07:19**
